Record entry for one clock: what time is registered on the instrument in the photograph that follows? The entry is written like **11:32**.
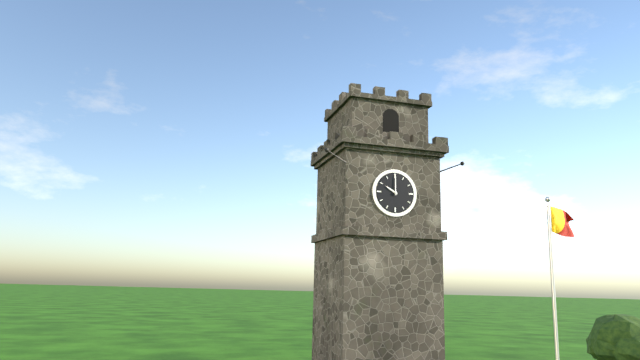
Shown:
**10:00**
